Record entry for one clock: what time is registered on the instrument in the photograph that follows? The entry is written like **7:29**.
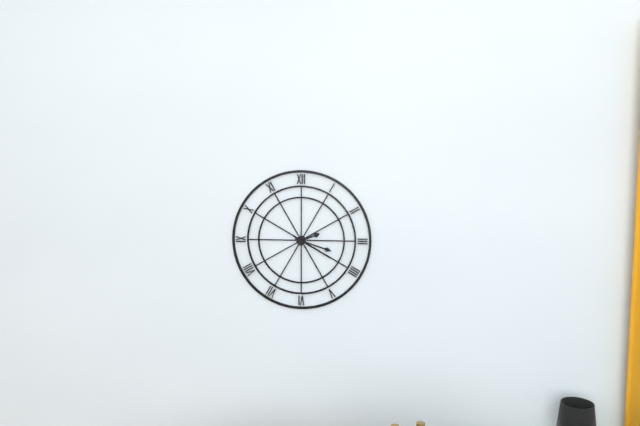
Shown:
**2:18**
